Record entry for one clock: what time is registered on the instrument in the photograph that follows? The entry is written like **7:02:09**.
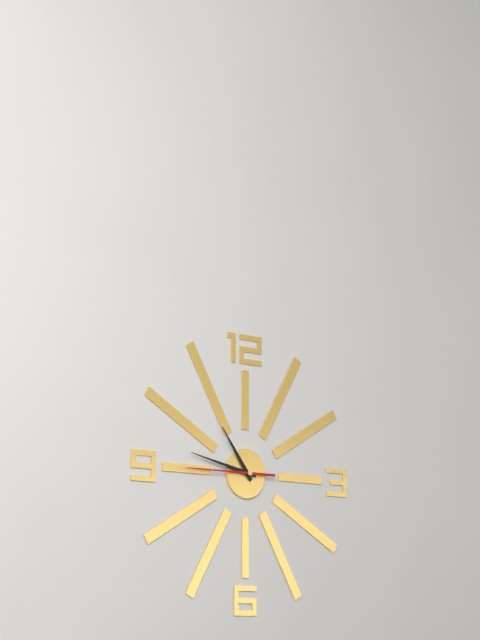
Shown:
**10:47:45**
